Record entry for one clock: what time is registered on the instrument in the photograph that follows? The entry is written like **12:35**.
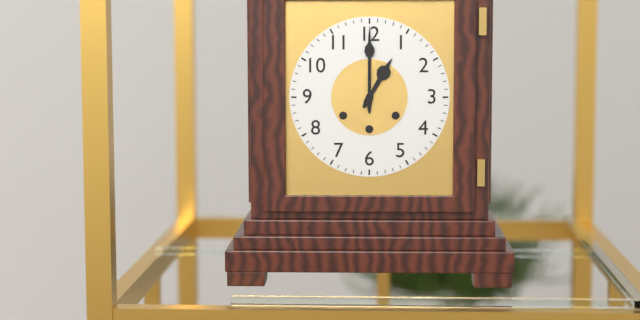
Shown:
**1:00**
